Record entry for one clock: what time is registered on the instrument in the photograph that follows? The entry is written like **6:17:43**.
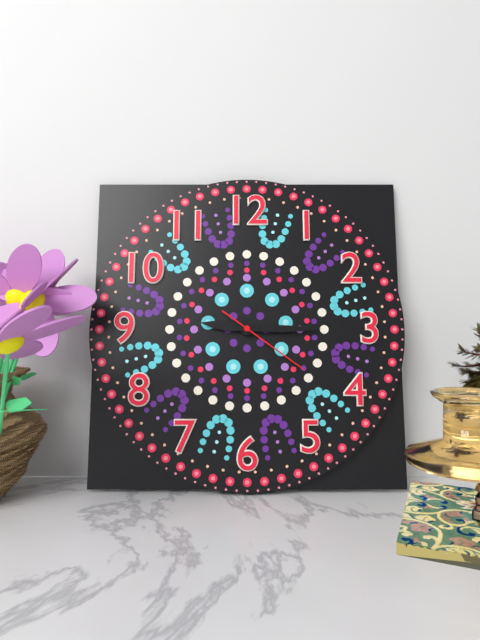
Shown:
**9:15:21**
